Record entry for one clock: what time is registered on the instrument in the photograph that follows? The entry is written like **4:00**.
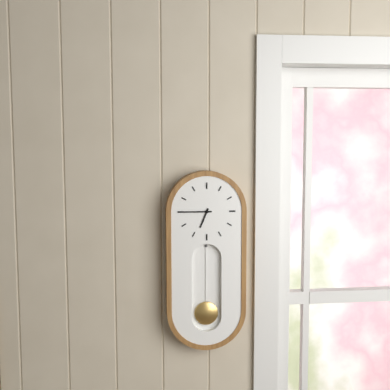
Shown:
**6:45**
